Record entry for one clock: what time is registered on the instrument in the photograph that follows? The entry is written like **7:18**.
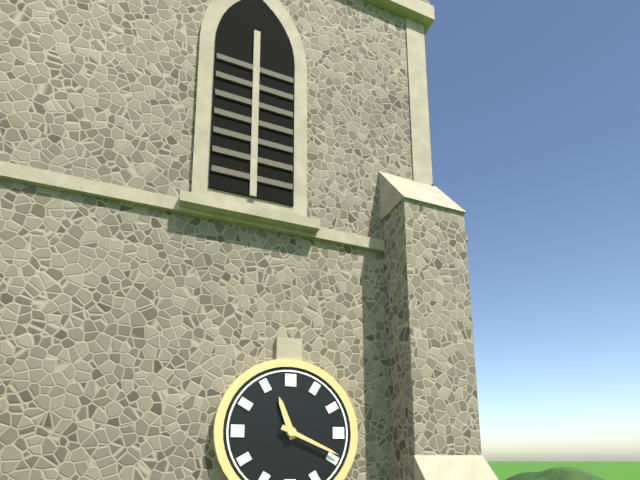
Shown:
**11:19**
